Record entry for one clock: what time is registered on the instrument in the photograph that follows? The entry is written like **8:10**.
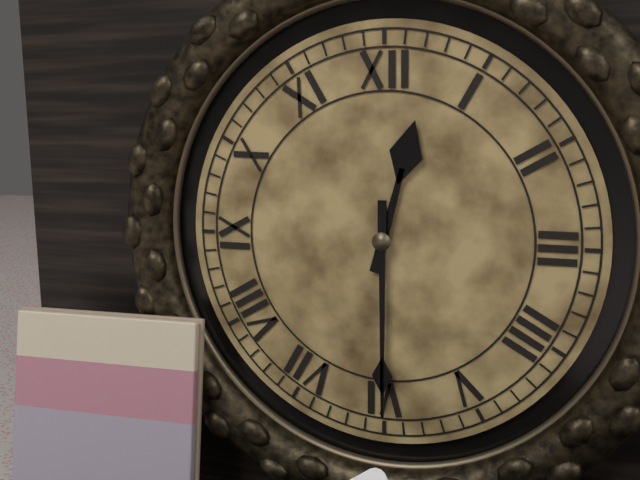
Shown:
**12:30**
